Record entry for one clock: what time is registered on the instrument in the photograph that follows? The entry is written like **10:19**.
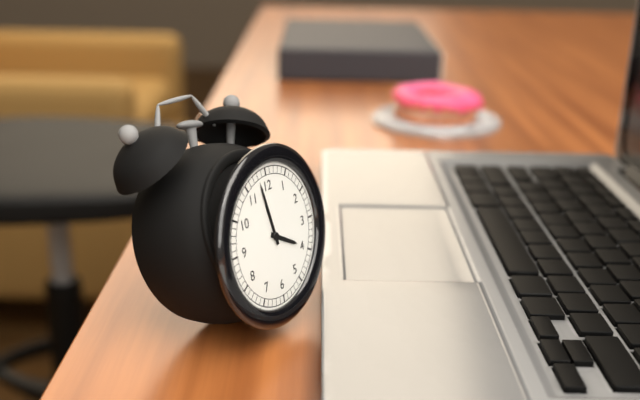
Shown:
**3:58**
